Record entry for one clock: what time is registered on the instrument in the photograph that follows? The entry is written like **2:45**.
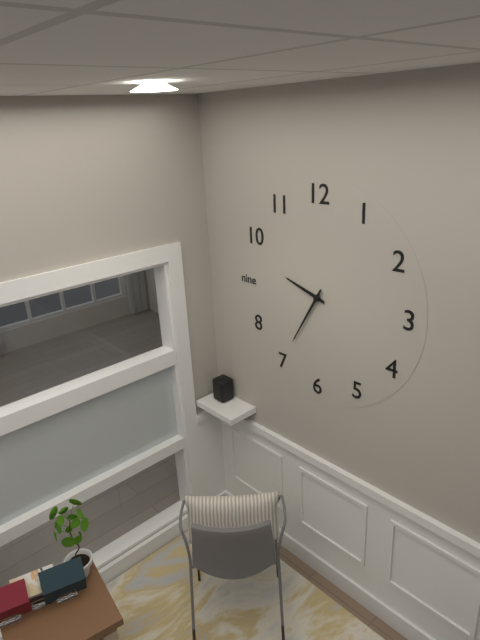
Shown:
**9:35**
